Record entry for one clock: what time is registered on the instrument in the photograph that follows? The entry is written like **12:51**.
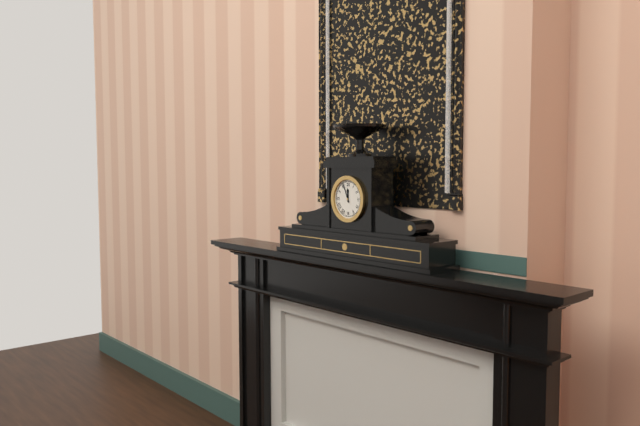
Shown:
**11:56**
